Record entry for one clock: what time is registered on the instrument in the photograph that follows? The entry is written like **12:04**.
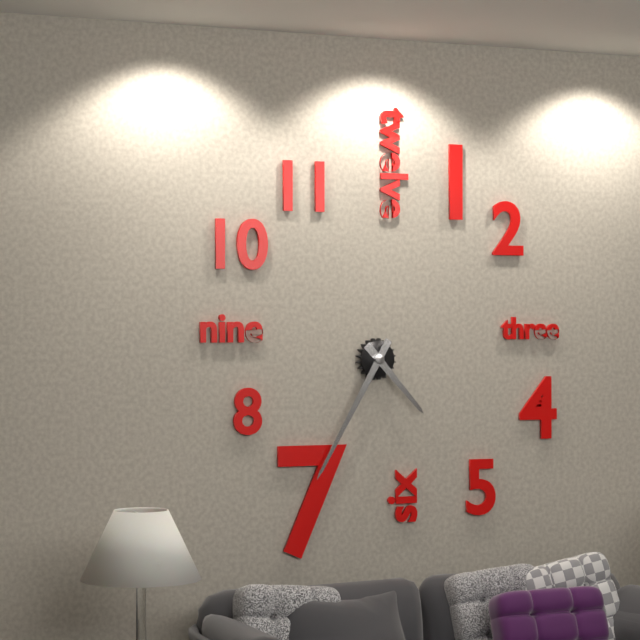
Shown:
**4:35**
